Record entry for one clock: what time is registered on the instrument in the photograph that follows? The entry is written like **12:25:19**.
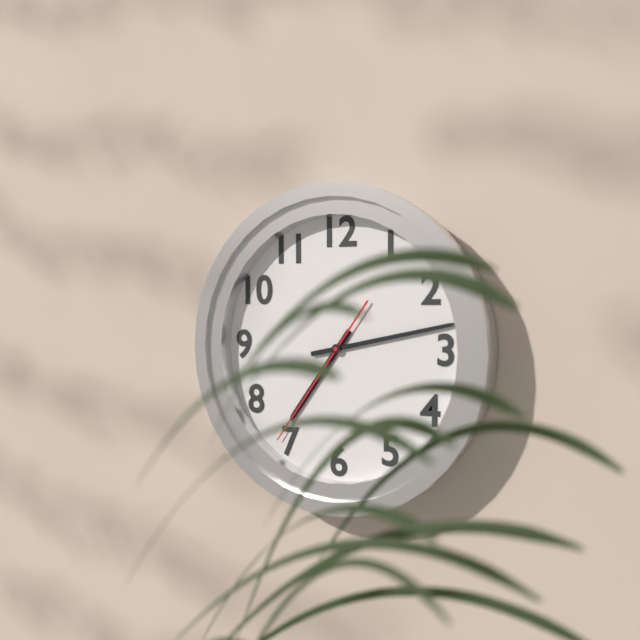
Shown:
**7:13:36**
